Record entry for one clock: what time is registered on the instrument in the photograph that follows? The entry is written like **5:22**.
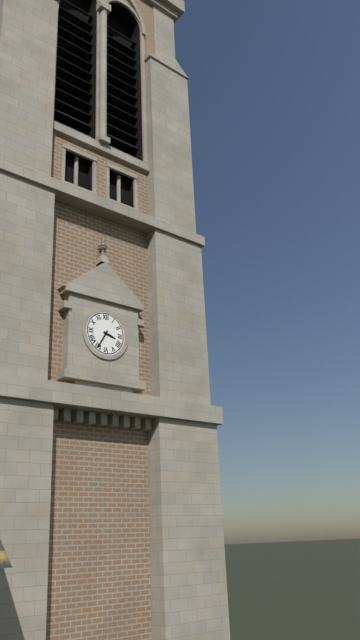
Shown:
**3:35**
